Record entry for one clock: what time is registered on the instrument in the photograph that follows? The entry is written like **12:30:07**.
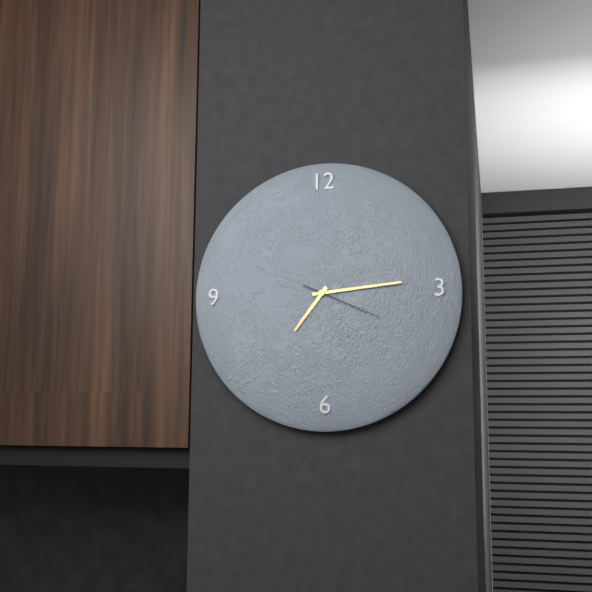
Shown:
**7:14:19**
